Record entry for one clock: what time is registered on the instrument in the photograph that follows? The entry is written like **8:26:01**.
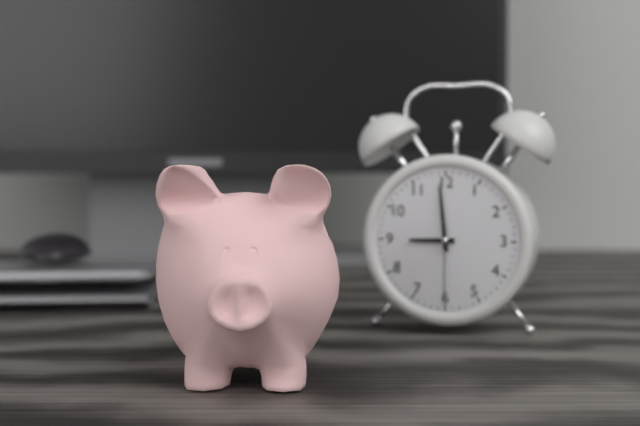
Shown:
**8:59:30**
